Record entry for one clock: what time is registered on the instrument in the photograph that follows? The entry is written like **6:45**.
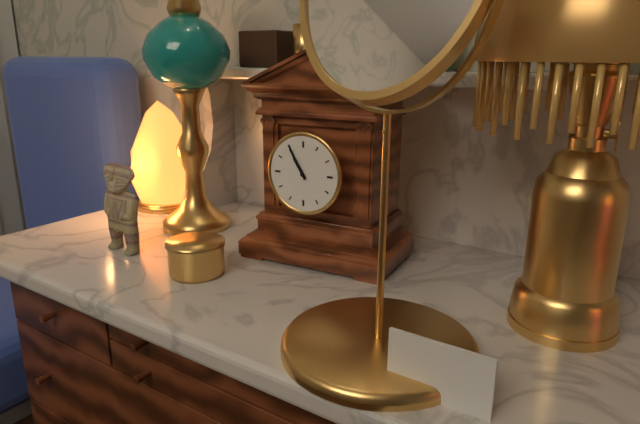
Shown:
**10:55**
